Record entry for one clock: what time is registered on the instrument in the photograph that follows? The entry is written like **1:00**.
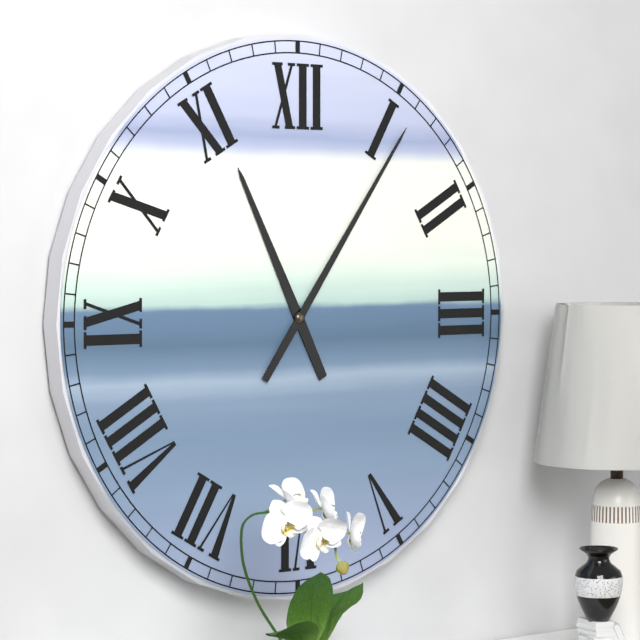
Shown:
**11:06**
